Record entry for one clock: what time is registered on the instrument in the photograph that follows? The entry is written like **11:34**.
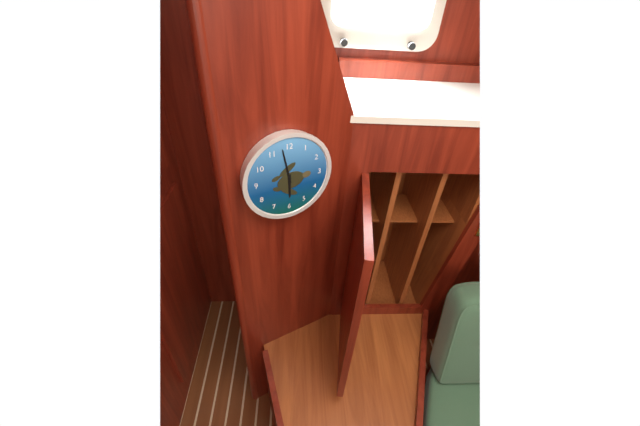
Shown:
**5:58**
